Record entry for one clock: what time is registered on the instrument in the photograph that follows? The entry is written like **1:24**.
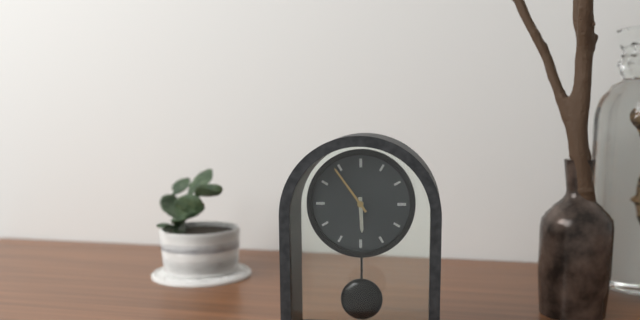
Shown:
**5:54**
